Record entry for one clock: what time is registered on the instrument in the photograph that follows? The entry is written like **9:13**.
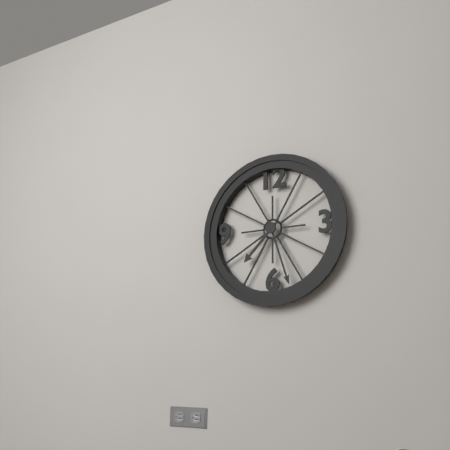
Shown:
**7:27**
